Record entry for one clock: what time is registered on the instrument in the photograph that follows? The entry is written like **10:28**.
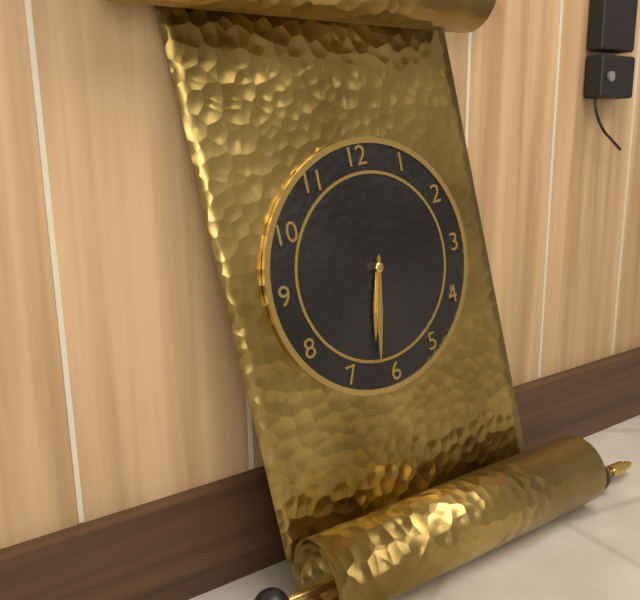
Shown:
**6:32**
